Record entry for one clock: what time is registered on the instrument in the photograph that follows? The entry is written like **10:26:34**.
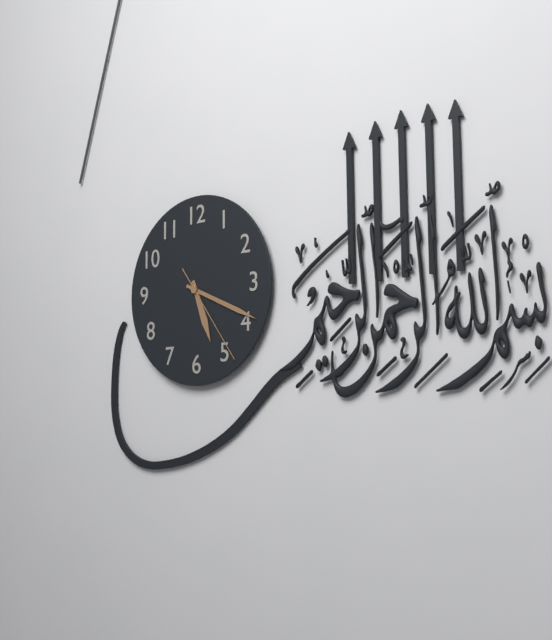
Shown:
**5:19:24**
